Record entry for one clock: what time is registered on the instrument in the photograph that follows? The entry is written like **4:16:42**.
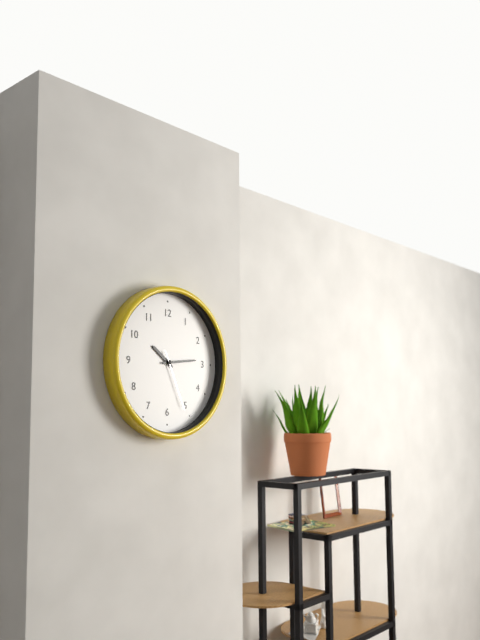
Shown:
**10:14:26**
